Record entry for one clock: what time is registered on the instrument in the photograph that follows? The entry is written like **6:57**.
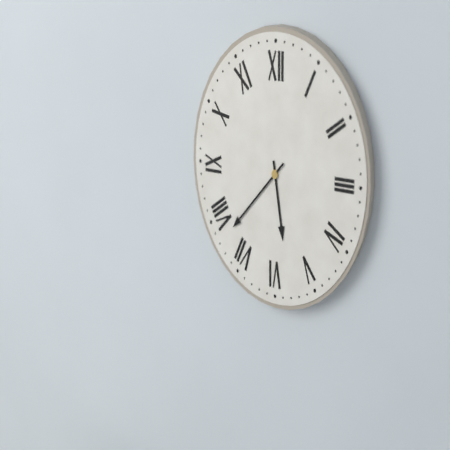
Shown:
**5:38**
